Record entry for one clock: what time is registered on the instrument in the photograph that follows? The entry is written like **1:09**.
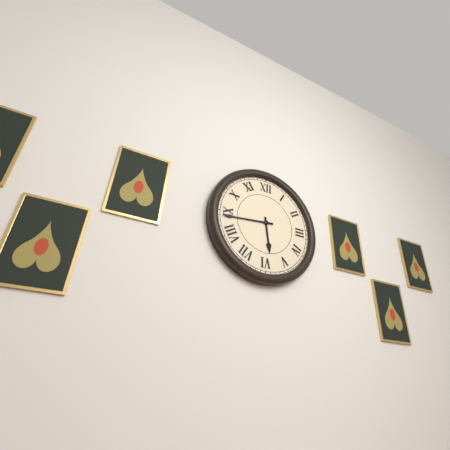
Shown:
**5:44**
